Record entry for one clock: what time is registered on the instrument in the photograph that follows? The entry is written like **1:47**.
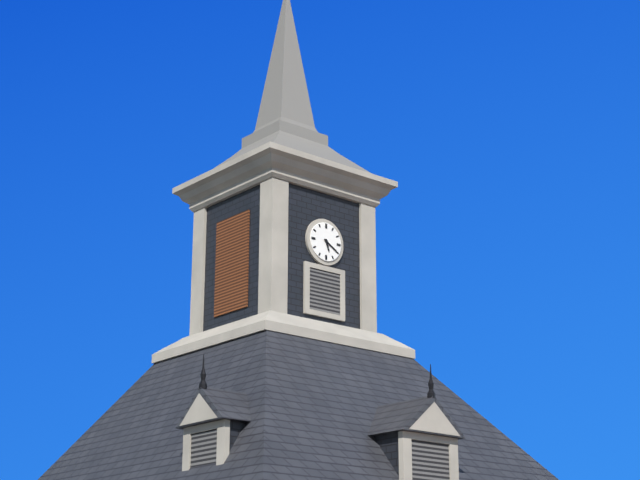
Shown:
**5:20**
